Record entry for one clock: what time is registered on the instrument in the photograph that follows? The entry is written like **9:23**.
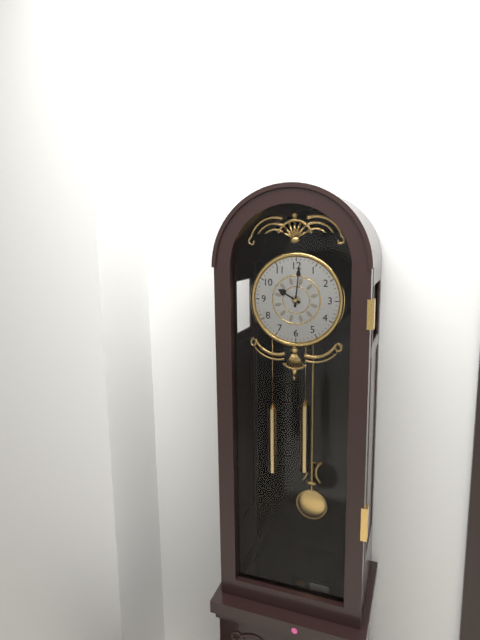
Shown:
**10:01**
